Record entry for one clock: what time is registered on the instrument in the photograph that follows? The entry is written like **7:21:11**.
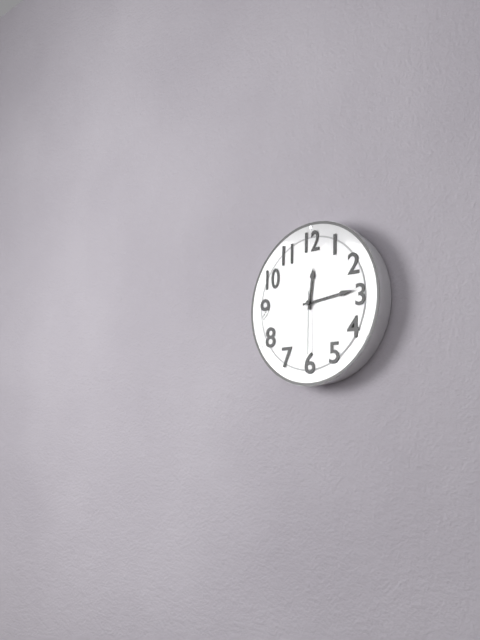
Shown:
**12:14:30**
